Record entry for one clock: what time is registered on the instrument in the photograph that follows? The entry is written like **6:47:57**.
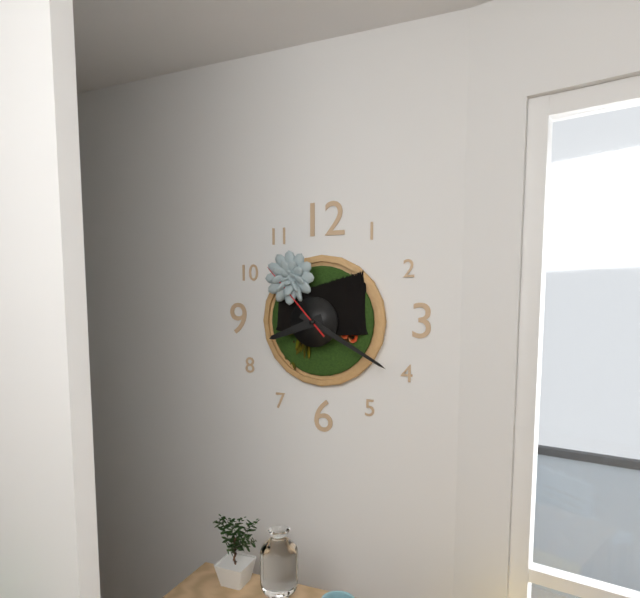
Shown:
**8:20:53**
